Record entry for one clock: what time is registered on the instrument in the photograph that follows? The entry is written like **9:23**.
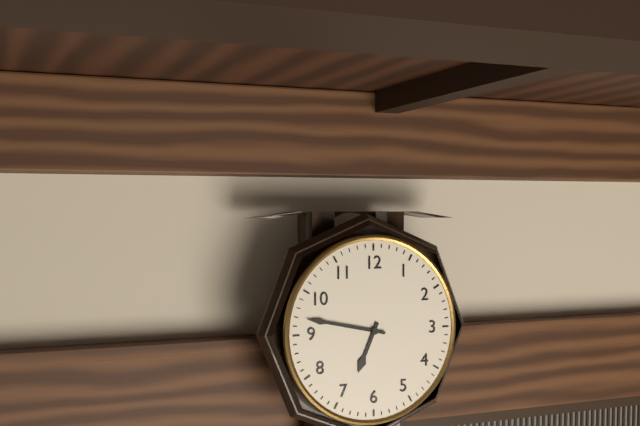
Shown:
**6:47**
